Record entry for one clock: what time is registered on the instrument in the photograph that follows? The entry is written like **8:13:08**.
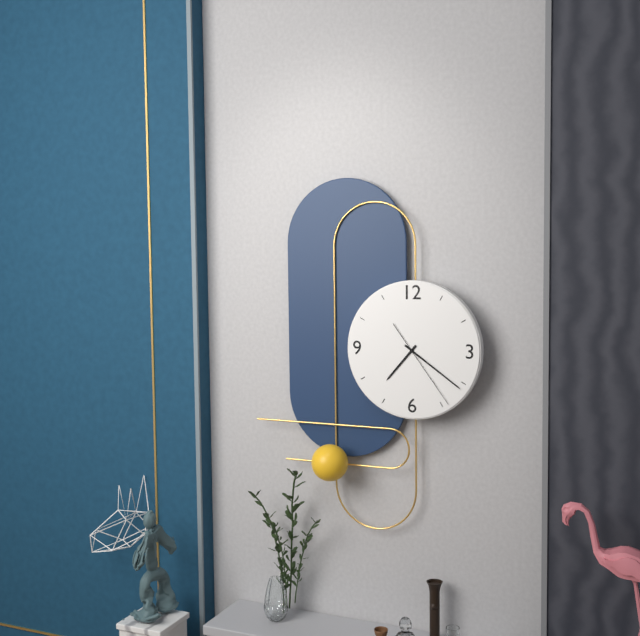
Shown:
**7:21:24**
